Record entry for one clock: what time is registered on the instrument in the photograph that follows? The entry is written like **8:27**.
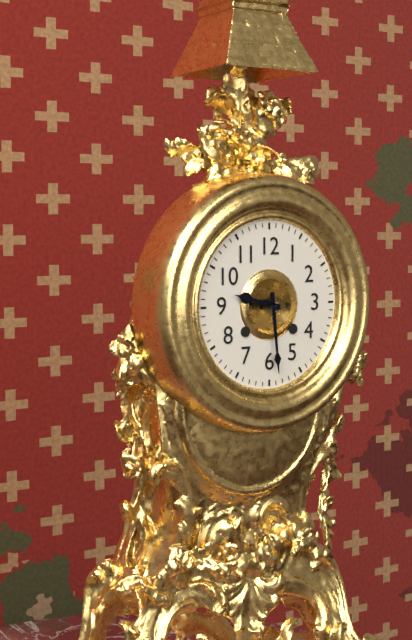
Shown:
**9:29**
